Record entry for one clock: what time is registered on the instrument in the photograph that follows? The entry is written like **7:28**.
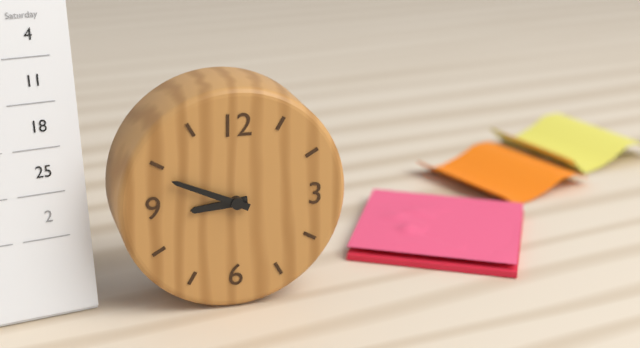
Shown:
**8:49**
